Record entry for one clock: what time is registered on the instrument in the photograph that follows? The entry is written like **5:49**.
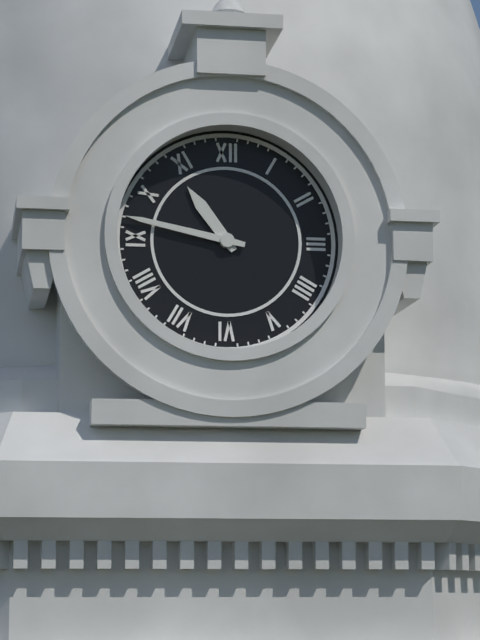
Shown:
**10:47**
